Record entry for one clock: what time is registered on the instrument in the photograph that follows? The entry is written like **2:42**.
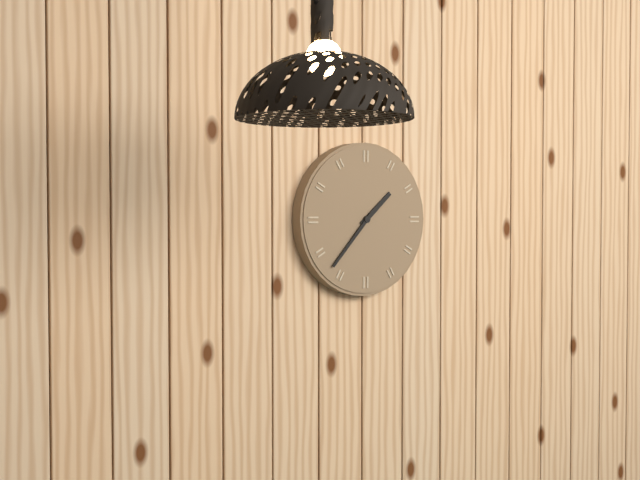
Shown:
**1:37**
